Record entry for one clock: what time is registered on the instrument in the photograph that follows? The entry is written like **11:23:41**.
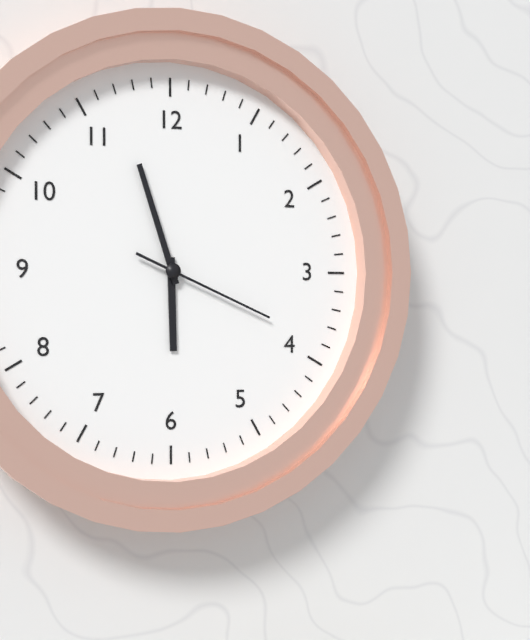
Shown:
**5:57:19**
